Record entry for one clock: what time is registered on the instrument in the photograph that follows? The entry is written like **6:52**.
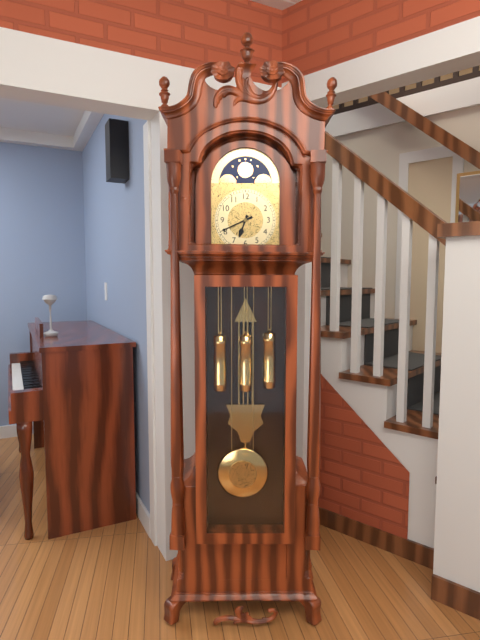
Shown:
**6:41**
